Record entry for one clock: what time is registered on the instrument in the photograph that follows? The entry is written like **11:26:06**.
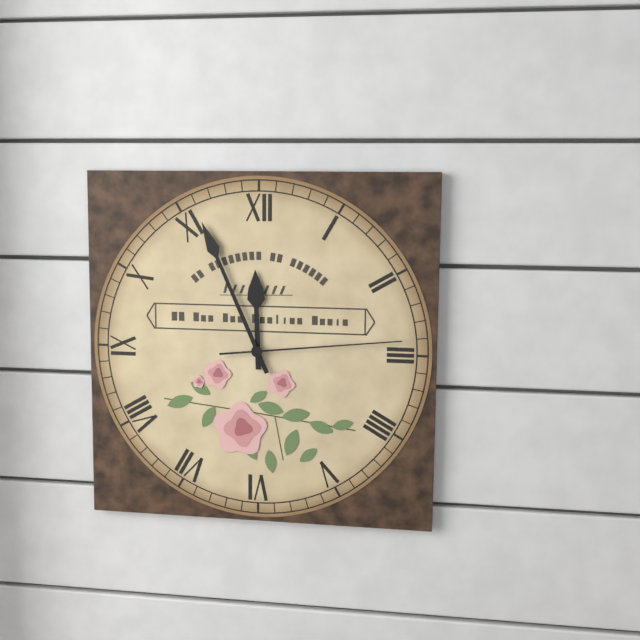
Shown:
**11:56:14**
